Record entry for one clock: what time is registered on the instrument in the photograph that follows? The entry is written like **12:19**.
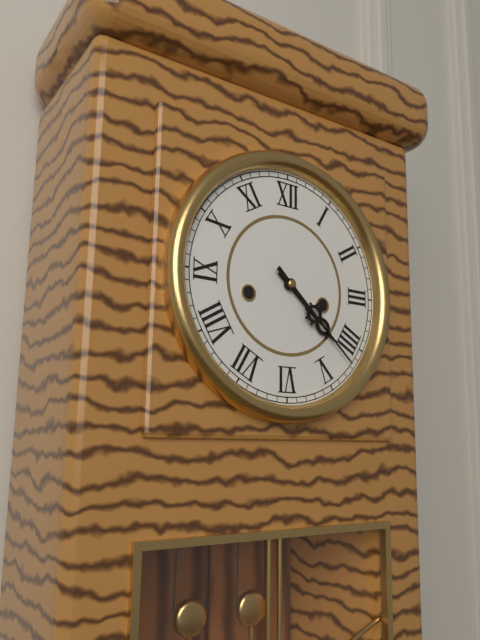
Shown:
**4:22**
